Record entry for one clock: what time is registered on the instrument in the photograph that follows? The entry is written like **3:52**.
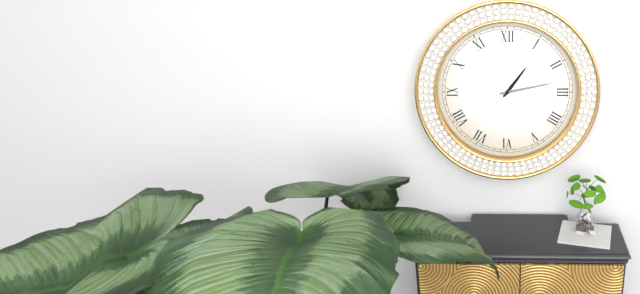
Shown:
**1:13**
